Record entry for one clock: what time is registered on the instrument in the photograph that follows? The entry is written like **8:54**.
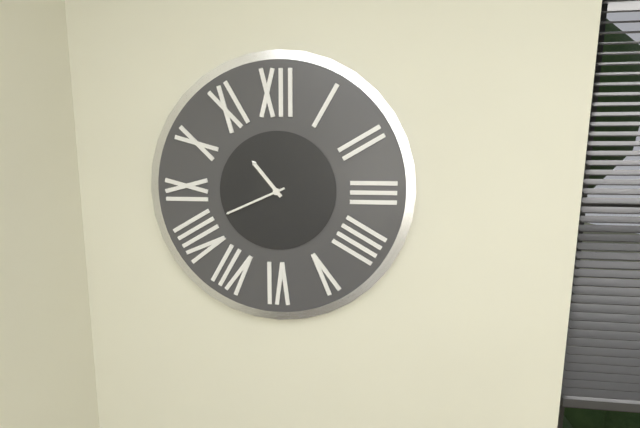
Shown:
**10:41**
